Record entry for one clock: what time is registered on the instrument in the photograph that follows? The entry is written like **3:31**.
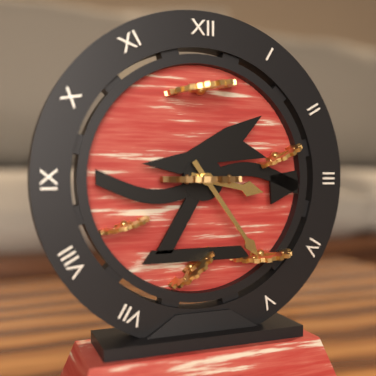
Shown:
**3:24**
